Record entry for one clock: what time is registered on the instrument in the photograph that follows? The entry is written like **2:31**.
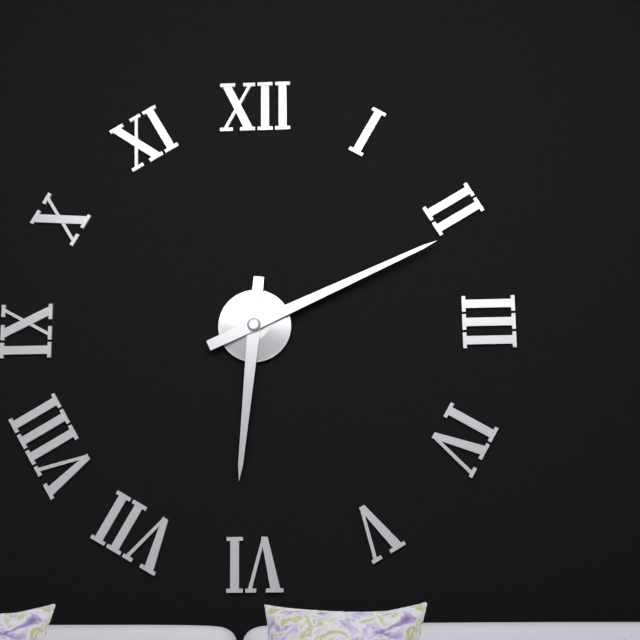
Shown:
**6:11**
